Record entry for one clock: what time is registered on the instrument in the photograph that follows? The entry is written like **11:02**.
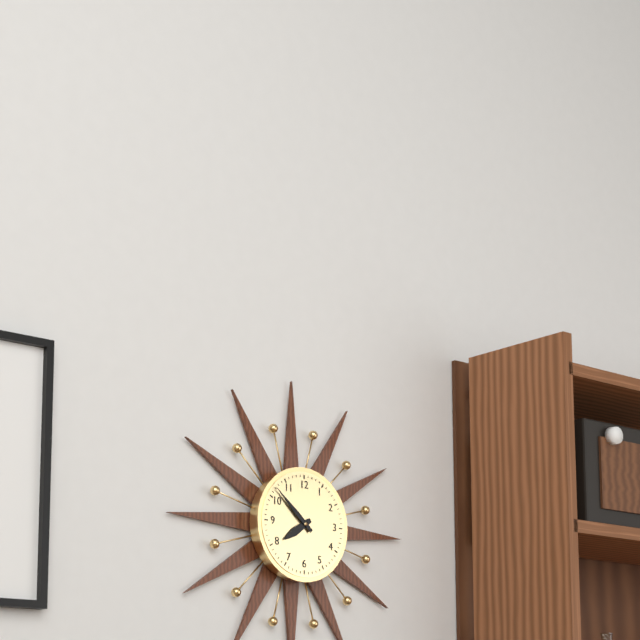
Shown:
**7:52**
